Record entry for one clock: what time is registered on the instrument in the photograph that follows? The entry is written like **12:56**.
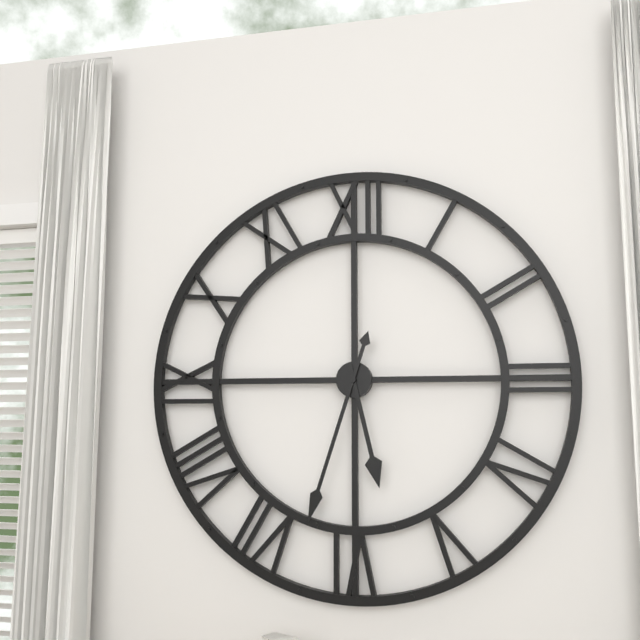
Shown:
**5:33**
